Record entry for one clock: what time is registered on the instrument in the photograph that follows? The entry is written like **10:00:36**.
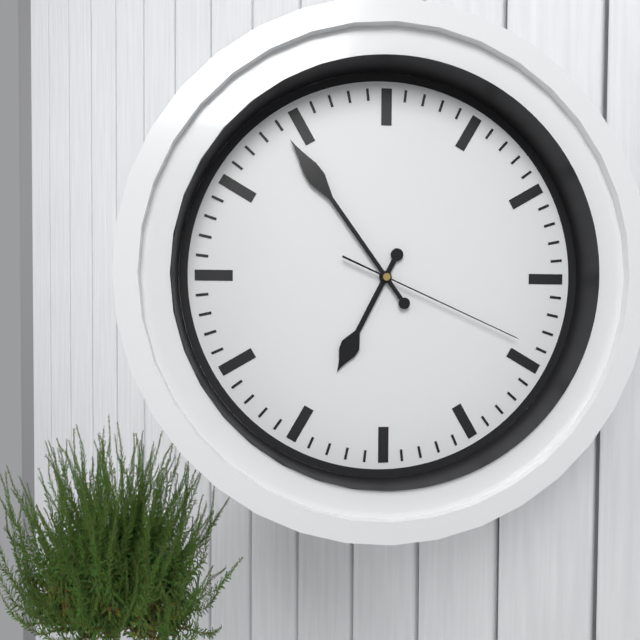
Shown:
**6:54:19**
